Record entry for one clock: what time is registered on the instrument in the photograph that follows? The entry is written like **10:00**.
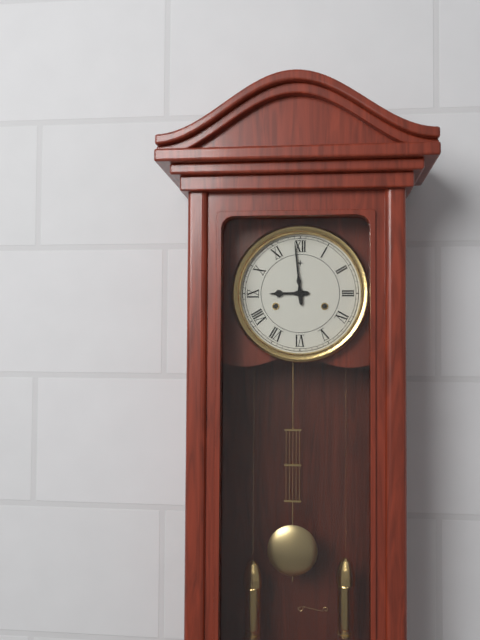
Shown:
**8:59**
